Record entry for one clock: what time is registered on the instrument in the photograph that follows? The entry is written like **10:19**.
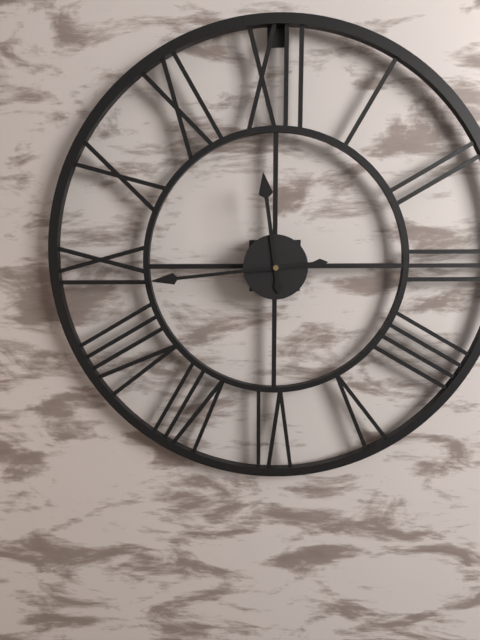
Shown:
**11:44**
